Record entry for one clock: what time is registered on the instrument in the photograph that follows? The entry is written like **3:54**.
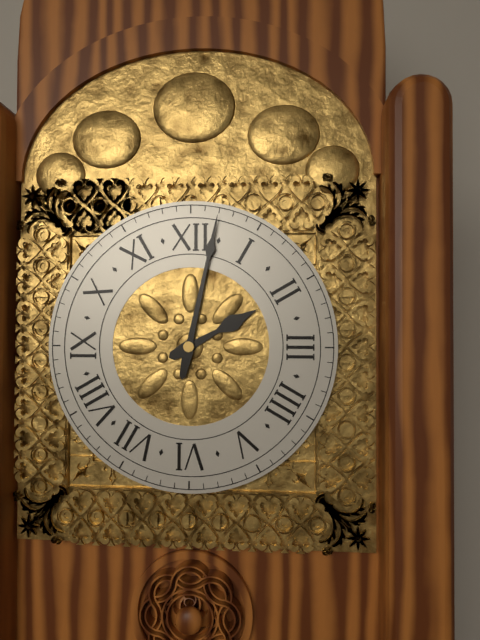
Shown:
**2:02**
